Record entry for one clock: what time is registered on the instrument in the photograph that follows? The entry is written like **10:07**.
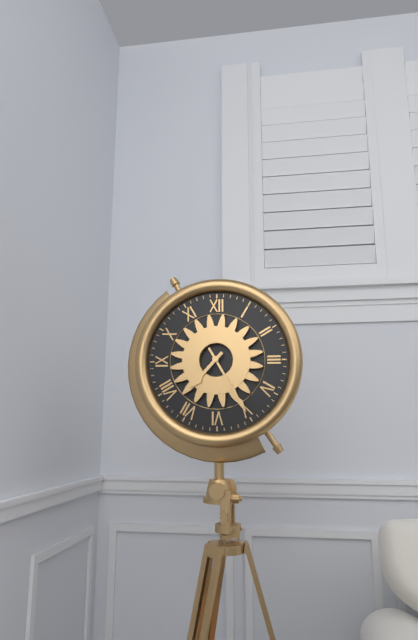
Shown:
**7:25**
